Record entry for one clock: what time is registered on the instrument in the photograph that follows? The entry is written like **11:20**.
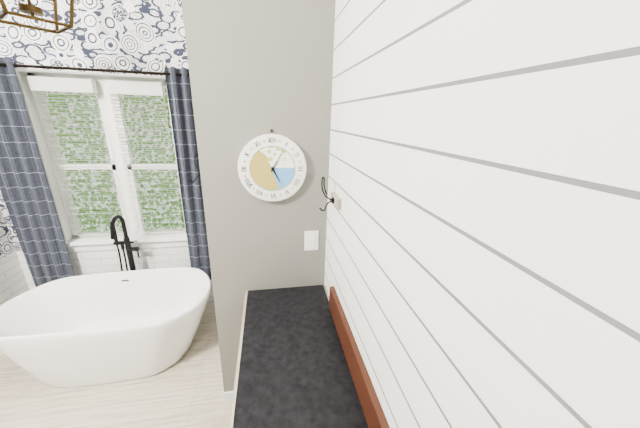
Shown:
**5:05**
